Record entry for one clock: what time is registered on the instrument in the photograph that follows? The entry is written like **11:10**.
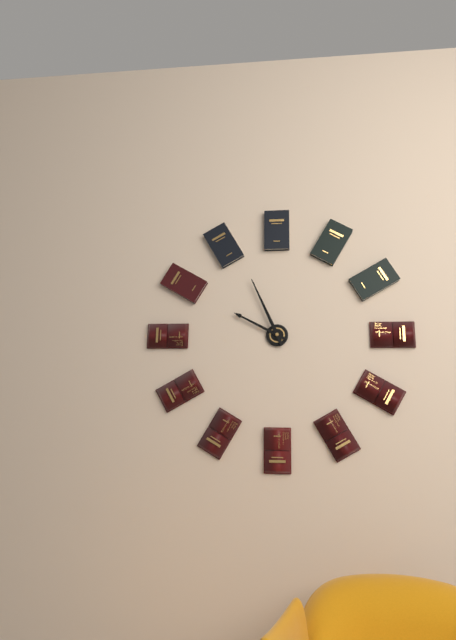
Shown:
**9:56**
